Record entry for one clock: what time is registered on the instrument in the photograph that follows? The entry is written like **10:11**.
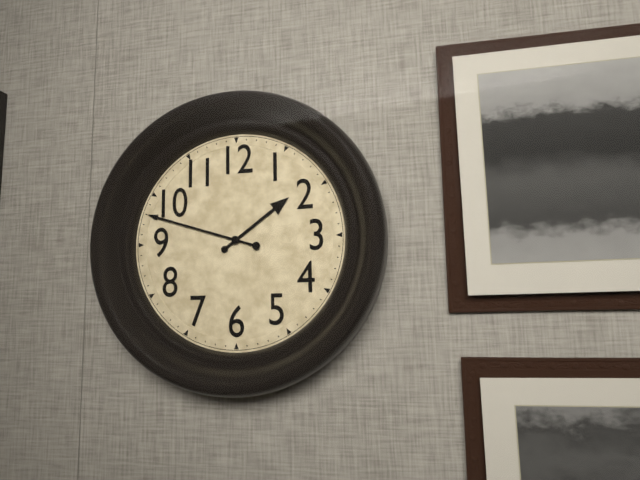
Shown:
**1:48**
